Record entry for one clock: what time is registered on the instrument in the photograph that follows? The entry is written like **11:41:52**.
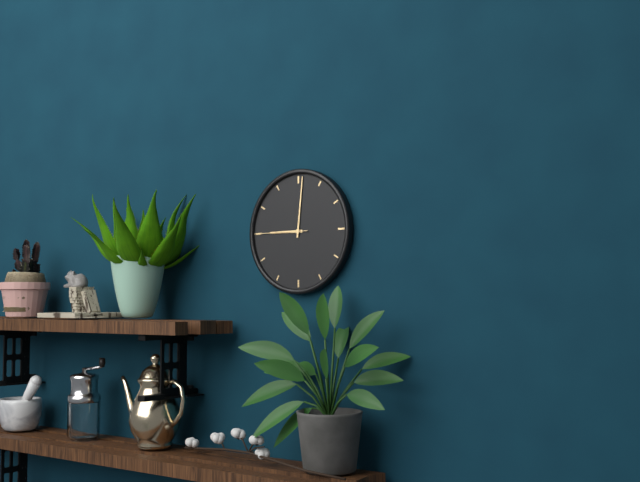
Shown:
**9:01:45**
